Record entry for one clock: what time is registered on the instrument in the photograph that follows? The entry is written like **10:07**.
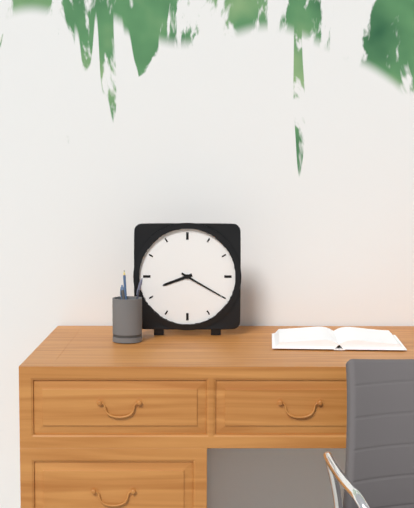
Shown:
**8:20**
